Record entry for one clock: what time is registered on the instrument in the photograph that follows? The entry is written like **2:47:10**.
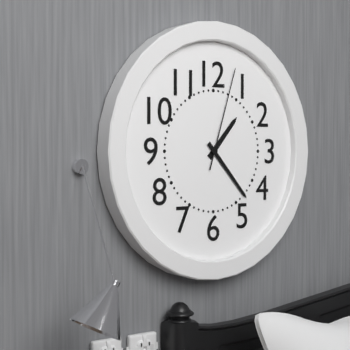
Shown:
**1:23:03**
